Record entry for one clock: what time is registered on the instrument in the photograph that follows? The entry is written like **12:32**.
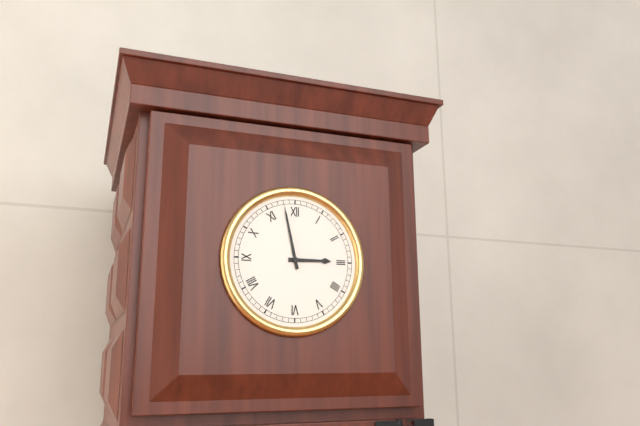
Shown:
**2:58**
